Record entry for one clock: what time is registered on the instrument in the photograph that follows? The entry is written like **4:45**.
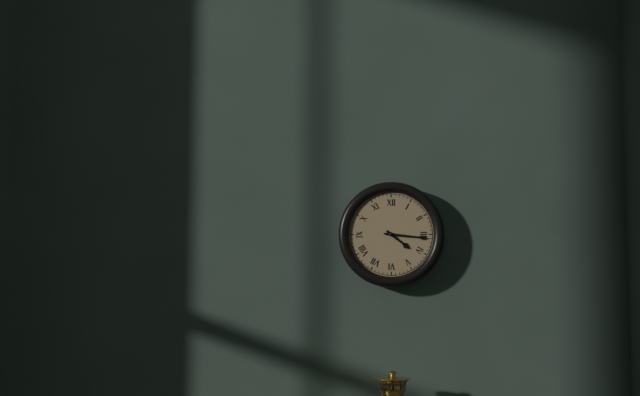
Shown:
**4:16**
